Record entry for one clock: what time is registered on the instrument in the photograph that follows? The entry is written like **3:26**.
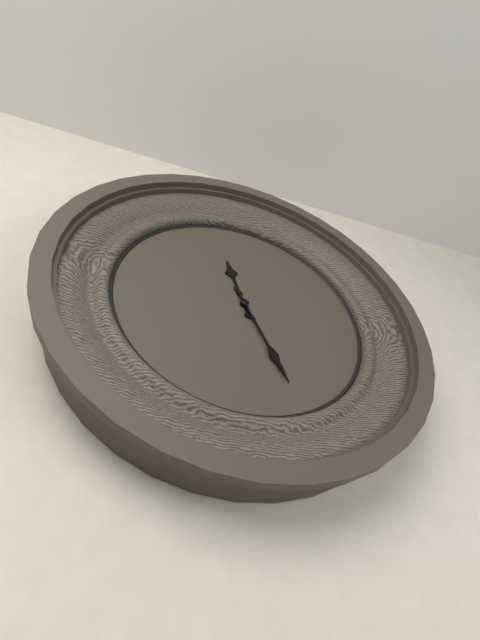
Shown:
**11:26**
